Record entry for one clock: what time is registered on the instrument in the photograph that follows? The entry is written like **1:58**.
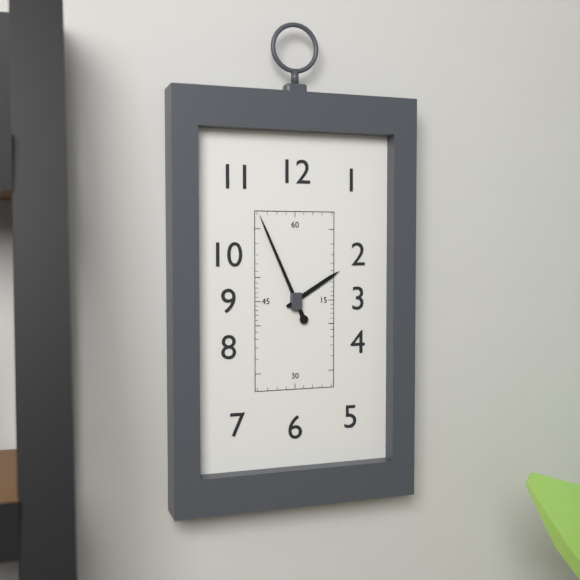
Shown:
**1:56**
